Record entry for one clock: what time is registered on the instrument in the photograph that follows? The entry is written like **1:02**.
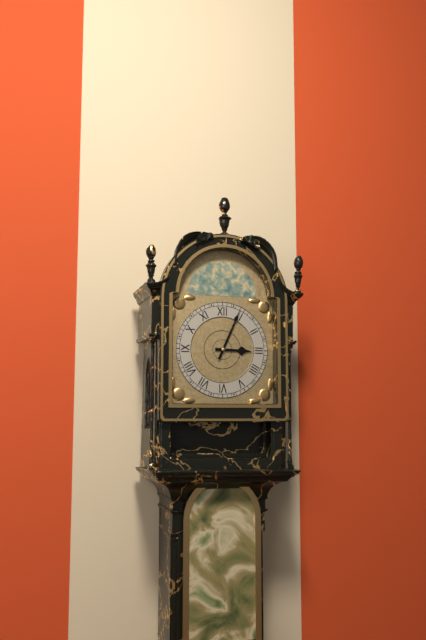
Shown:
**3:04**
